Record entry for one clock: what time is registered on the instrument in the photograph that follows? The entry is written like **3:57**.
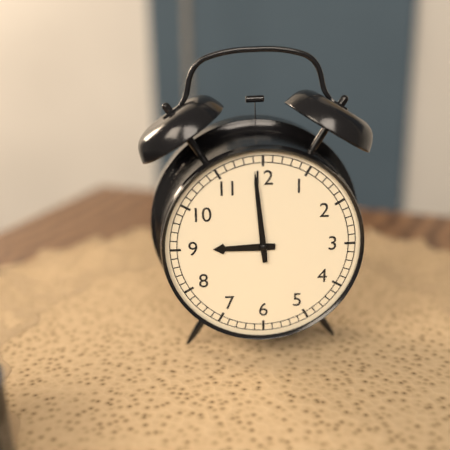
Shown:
**8:59**
